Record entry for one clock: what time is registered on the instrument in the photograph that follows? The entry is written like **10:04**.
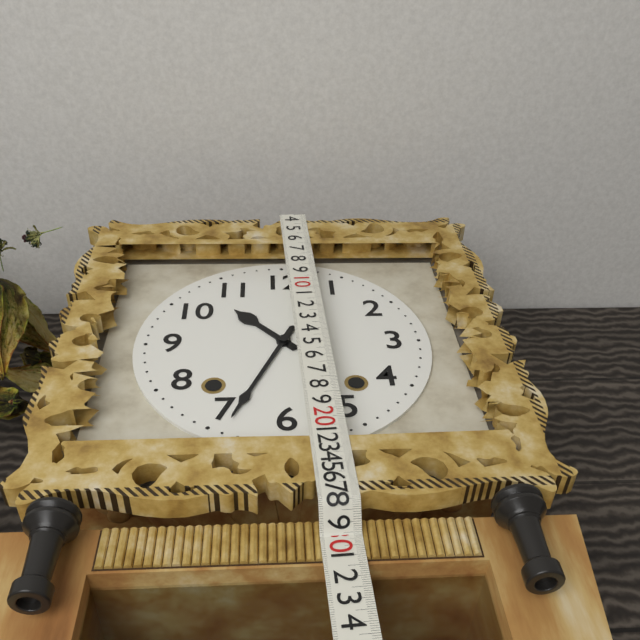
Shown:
**10:34**
